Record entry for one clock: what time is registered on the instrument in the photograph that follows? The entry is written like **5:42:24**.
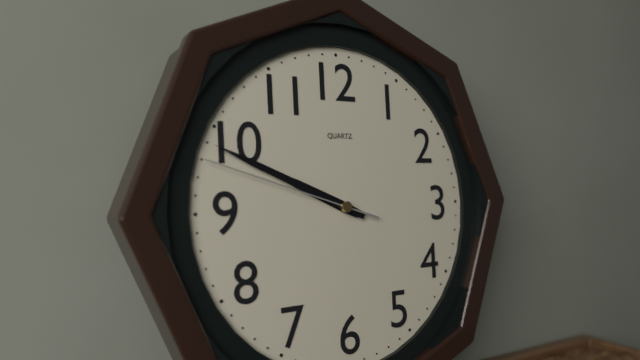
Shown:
**9:49:48**
